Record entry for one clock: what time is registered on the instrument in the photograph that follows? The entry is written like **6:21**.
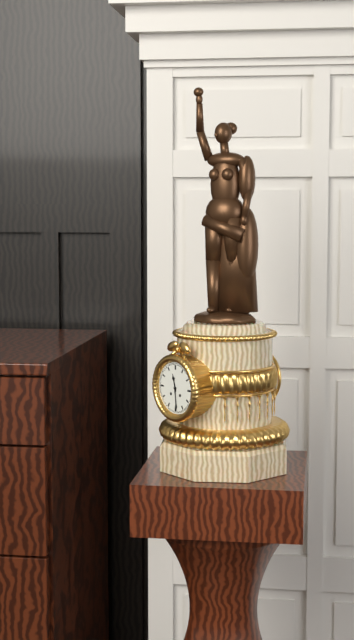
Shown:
**11:29**
